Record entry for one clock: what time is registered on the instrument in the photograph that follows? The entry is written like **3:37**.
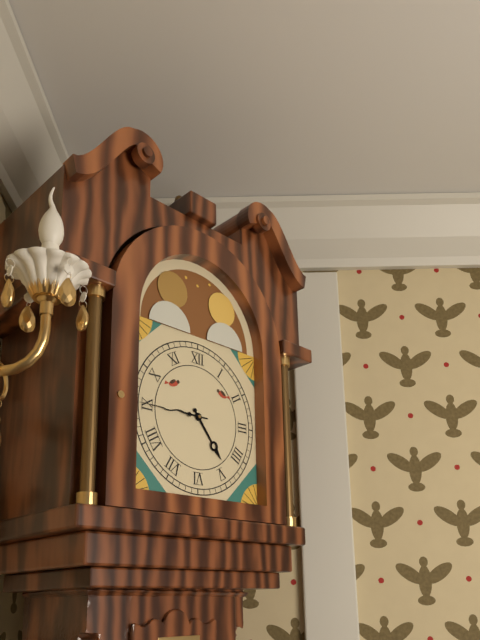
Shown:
**4:45**
